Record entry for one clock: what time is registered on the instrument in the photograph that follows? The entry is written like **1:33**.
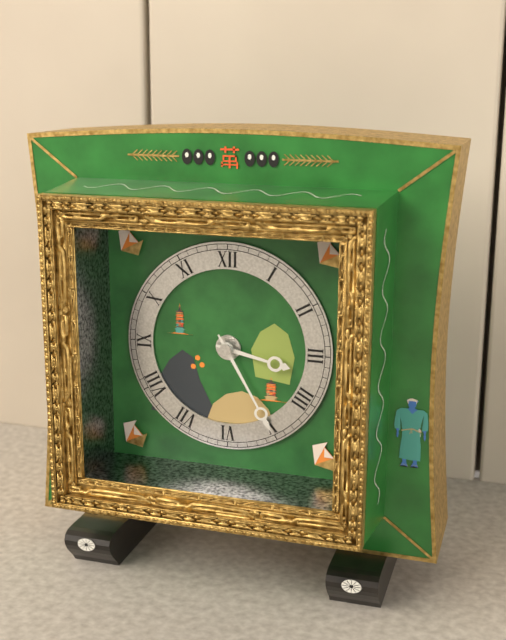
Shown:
**3:25**
